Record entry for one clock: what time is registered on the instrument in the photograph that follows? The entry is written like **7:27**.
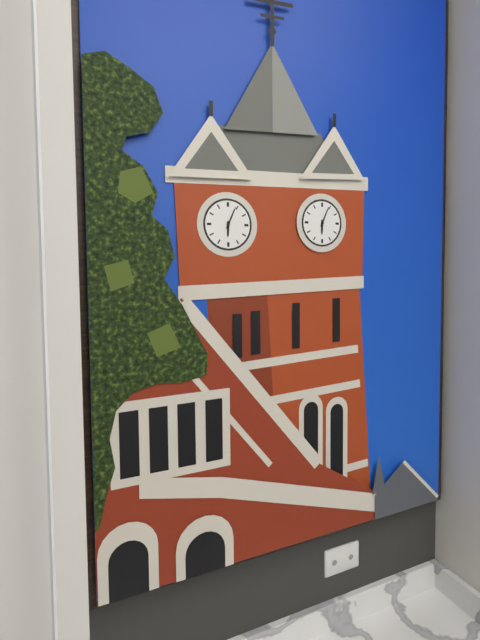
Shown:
**6:04**
